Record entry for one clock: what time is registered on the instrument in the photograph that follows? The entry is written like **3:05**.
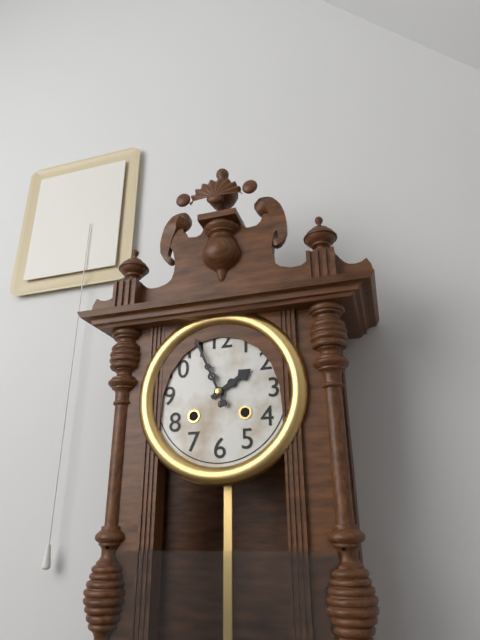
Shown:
**1:56**
